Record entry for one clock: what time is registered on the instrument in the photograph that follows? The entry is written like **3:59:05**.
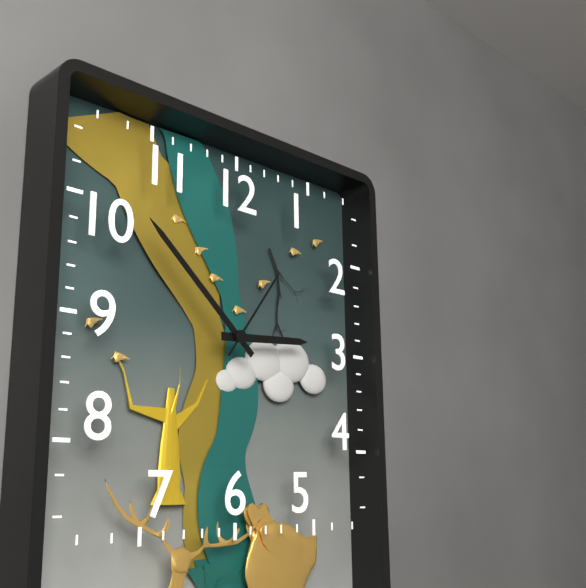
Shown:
**2:52:06**
